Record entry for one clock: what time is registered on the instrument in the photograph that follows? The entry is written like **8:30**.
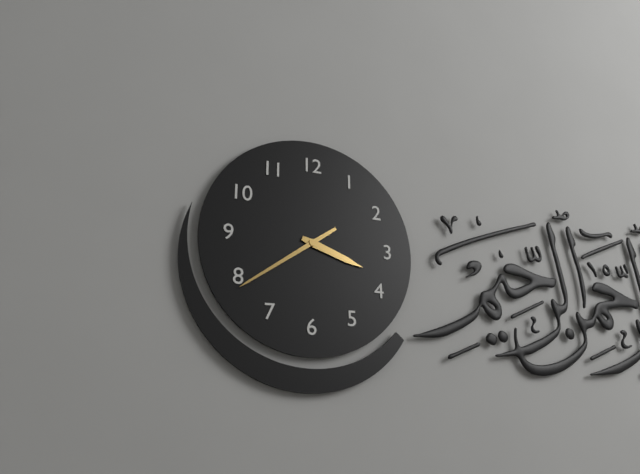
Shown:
**3:39**
